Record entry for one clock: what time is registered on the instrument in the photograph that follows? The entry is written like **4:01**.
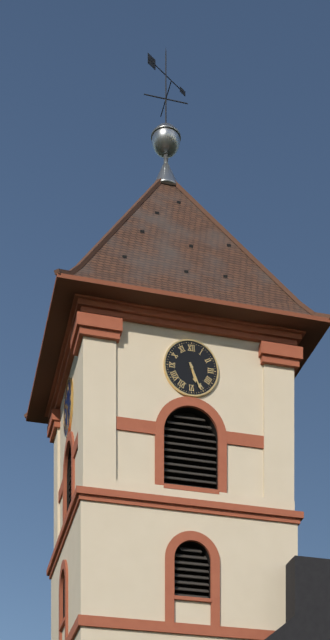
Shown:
**5:26**
